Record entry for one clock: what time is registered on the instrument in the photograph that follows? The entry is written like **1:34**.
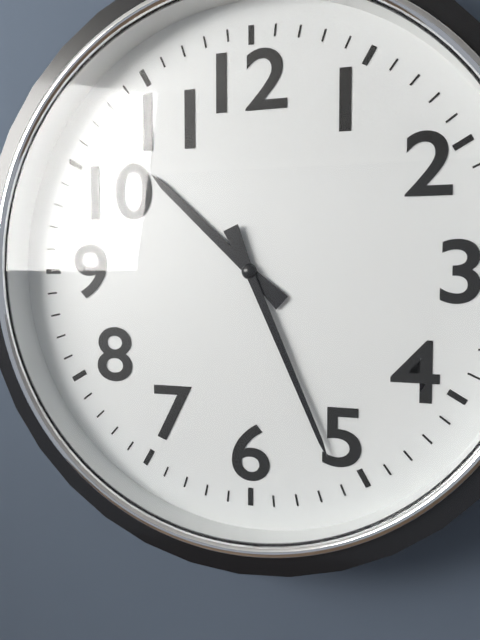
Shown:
**10:26**
